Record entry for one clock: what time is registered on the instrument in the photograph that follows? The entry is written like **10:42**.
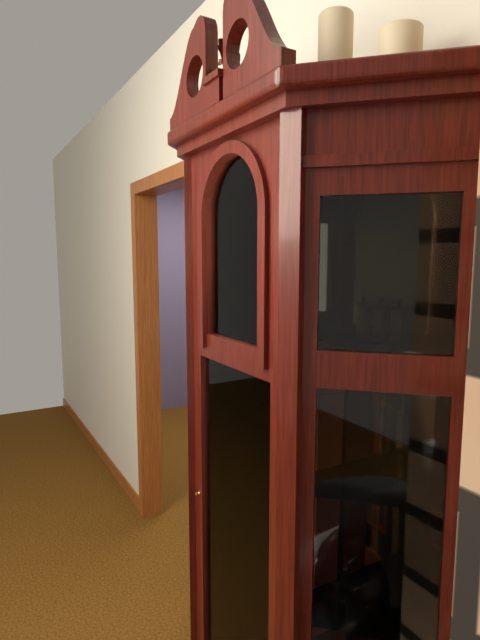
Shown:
**8:42**
